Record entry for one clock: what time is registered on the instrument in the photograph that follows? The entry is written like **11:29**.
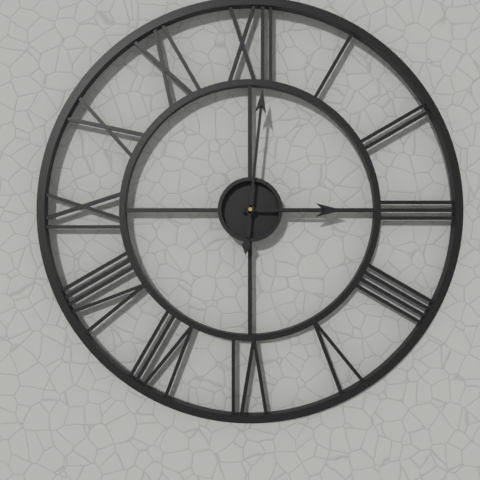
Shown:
**3:01**
